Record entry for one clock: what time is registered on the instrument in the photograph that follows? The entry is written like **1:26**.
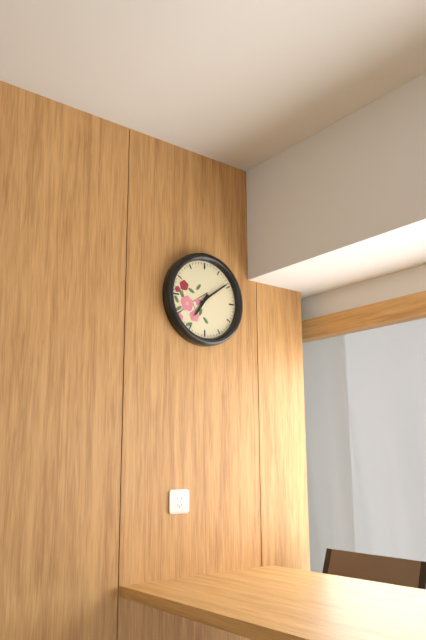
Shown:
**7:09**
